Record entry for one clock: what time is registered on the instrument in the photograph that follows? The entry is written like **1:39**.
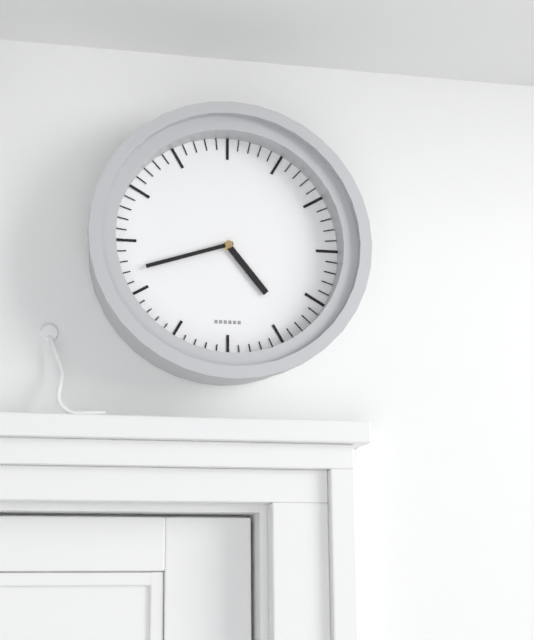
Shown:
**4:42**
